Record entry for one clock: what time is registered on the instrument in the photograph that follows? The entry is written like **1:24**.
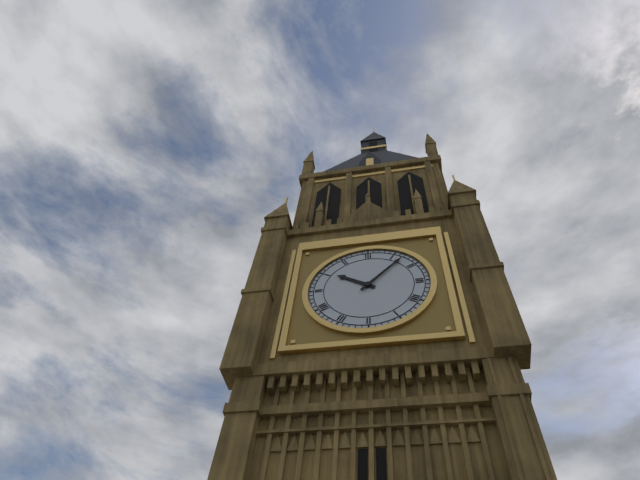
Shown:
**10:07**
